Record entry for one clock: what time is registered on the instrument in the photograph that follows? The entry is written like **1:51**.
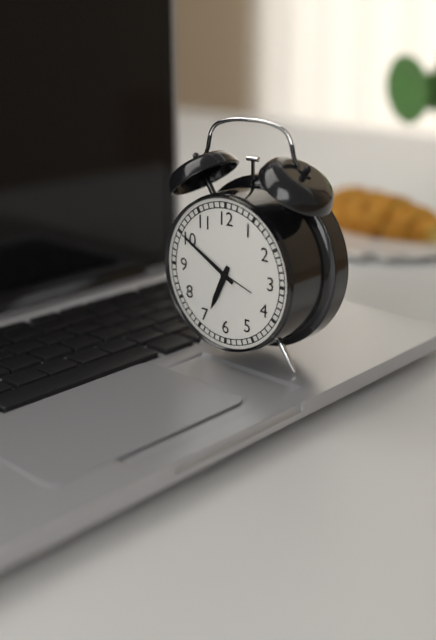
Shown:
**6:50**
